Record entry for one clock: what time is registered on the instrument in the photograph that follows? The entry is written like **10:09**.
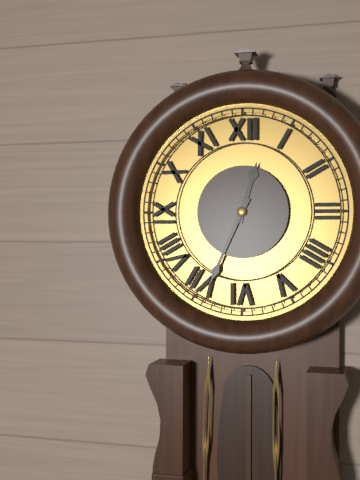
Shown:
**12:34**
